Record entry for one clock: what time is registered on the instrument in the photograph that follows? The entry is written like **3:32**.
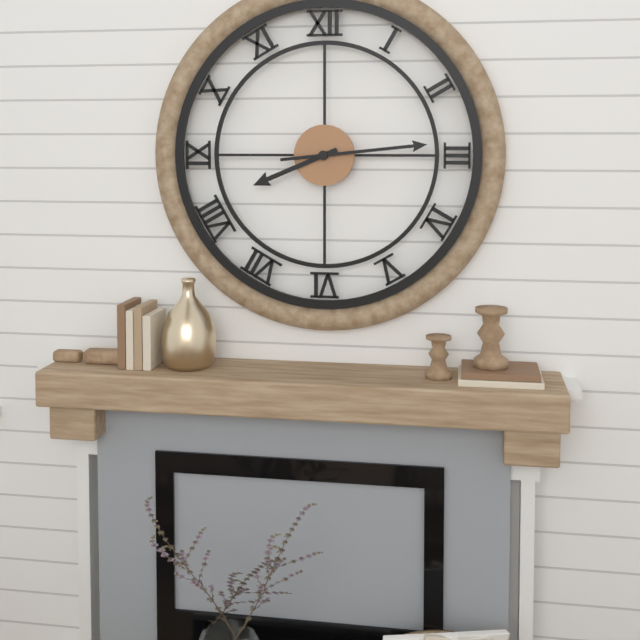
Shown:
**8:14**
